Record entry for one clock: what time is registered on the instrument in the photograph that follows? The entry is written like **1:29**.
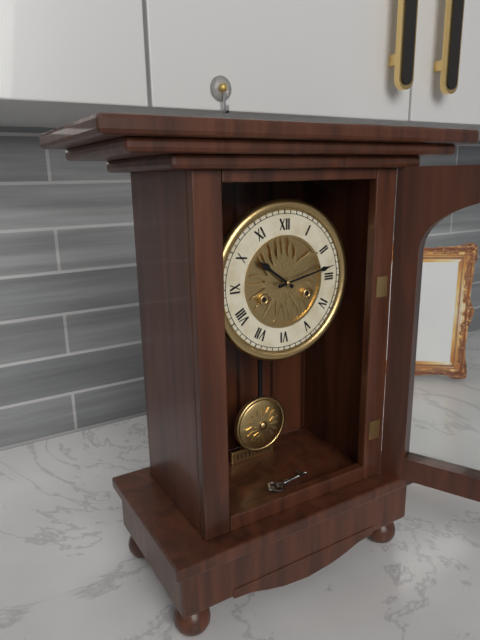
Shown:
**10:13**
